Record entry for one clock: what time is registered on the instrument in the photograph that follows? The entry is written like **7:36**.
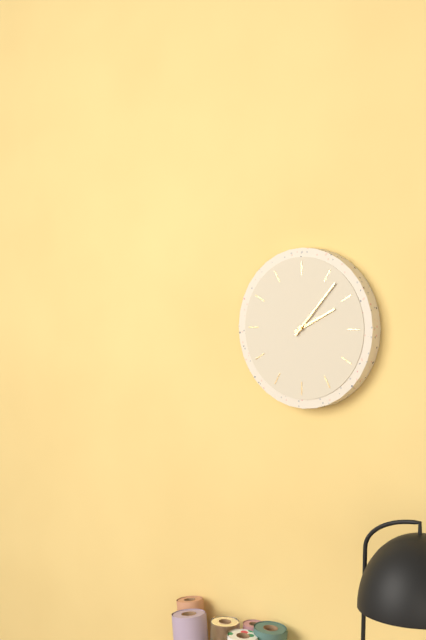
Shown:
**2:07**
